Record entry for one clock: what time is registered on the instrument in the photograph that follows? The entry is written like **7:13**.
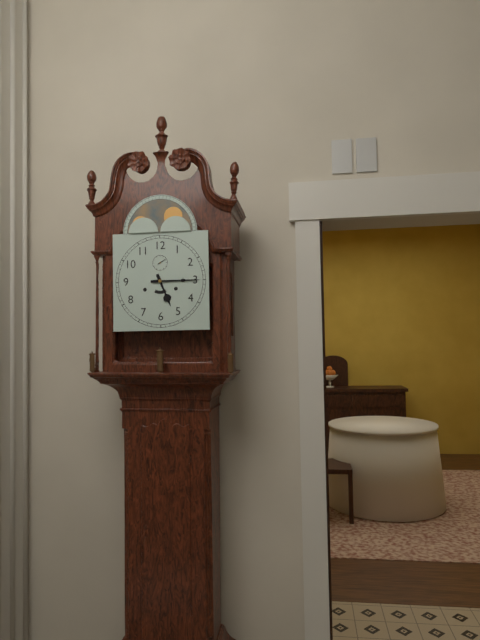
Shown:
**5:15**
